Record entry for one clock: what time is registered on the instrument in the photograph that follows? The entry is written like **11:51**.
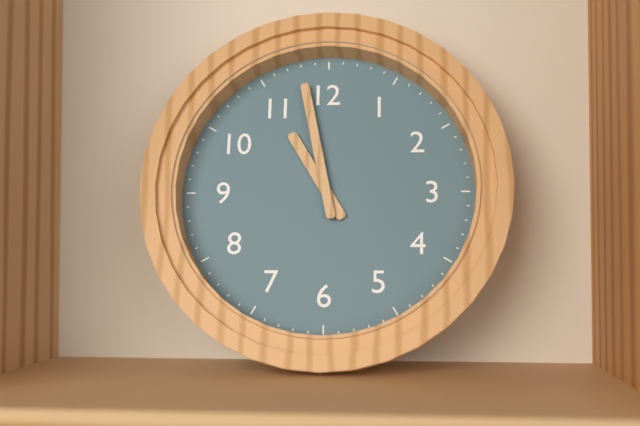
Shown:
**10:58**
